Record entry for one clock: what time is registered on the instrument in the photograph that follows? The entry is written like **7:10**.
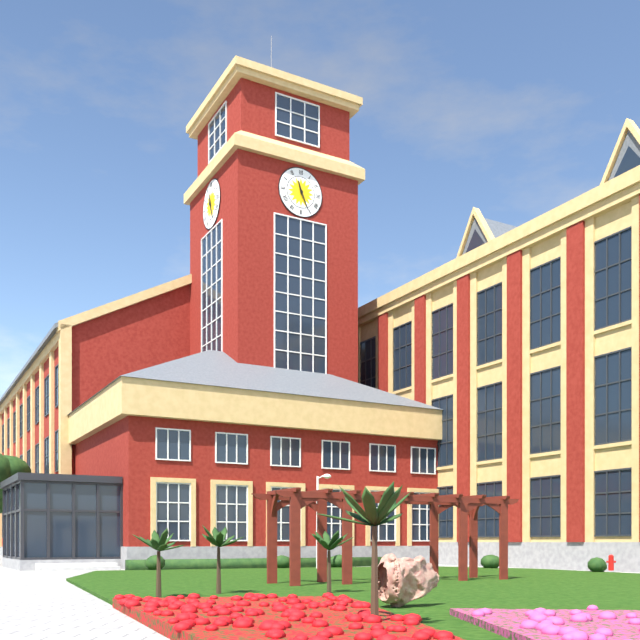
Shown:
**11:26**
